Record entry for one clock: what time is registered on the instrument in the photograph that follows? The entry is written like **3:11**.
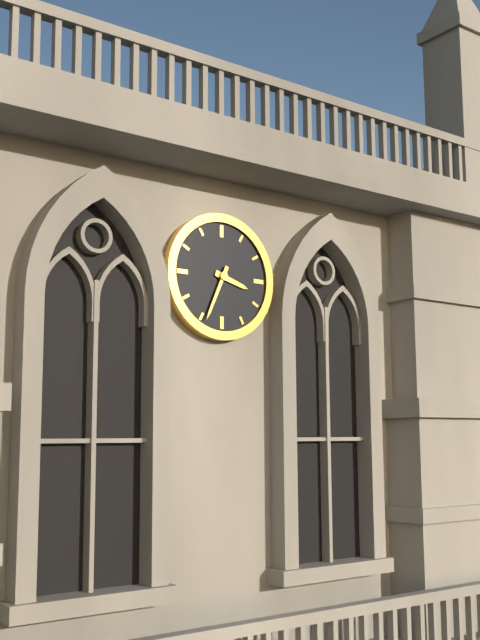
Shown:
**3:34**
